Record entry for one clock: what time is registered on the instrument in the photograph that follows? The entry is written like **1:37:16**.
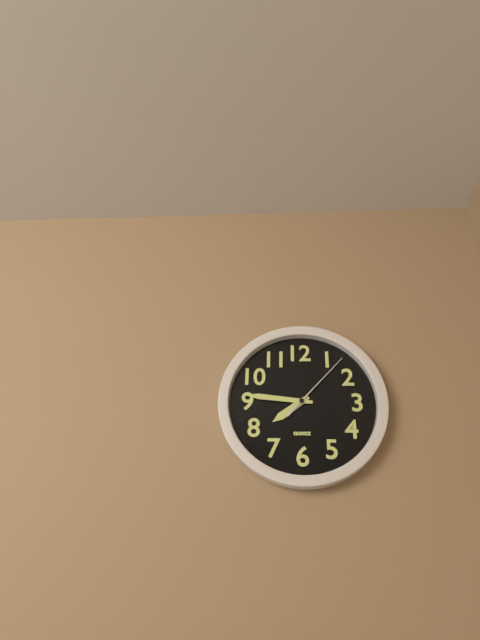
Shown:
**7:46:07**
